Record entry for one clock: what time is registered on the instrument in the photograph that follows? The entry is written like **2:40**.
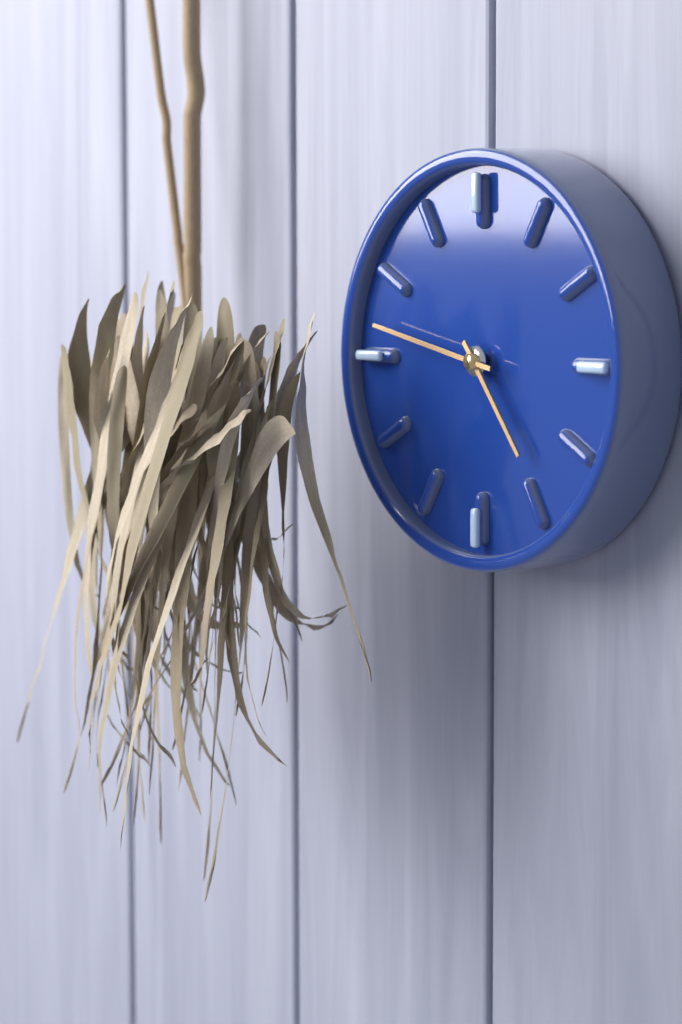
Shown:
**4:47**
